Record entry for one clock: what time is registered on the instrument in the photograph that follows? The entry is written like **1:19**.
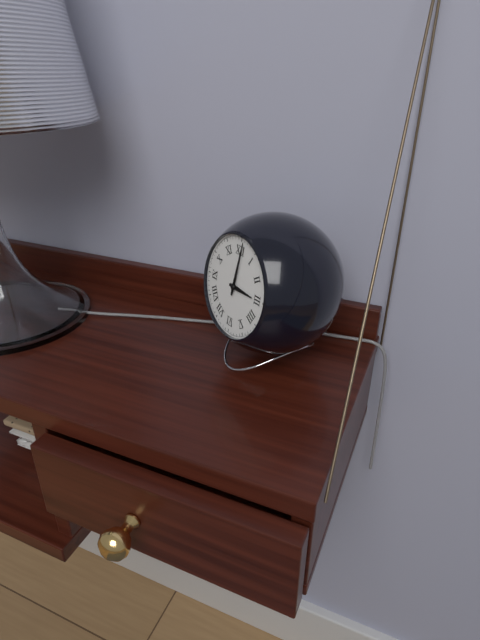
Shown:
**3:01**
